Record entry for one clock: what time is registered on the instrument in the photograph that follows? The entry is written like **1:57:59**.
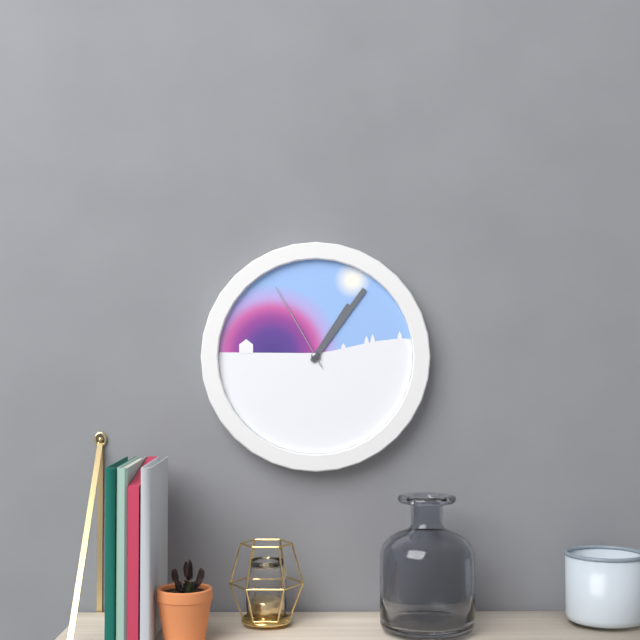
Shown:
**1:06:55**
